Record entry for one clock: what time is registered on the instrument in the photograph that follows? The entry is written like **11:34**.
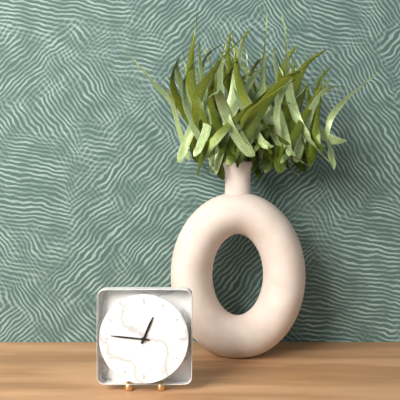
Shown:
**12:46**
